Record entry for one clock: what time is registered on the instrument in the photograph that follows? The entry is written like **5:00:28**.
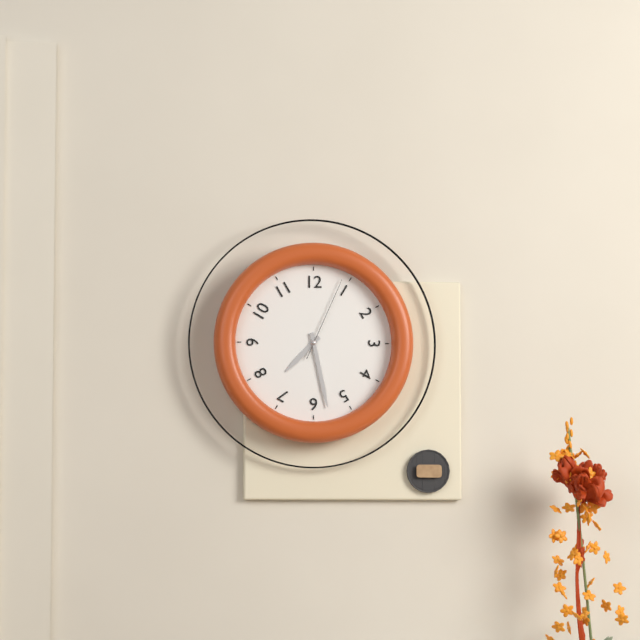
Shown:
**7:28:04**
